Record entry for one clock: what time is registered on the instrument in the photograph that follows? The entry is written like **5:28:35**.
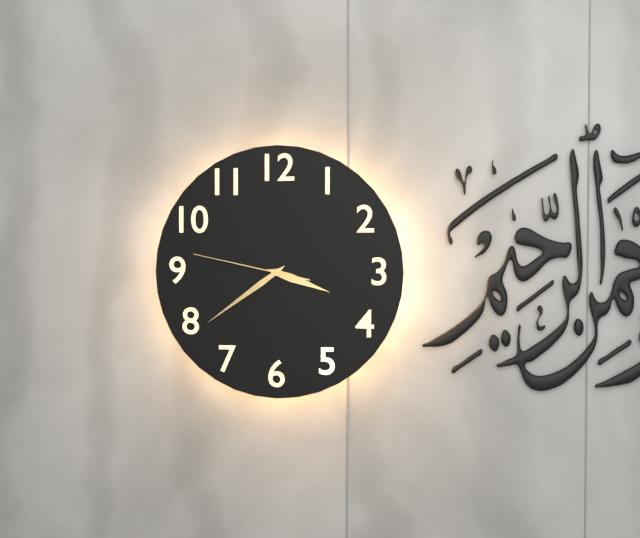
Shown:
**3:39:47**
